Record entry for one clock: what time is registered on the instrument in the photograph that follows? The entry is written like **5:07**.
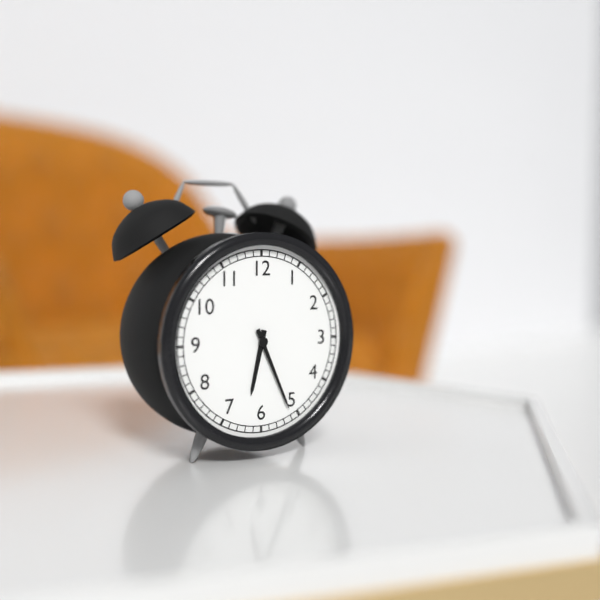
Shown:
**6:26**
